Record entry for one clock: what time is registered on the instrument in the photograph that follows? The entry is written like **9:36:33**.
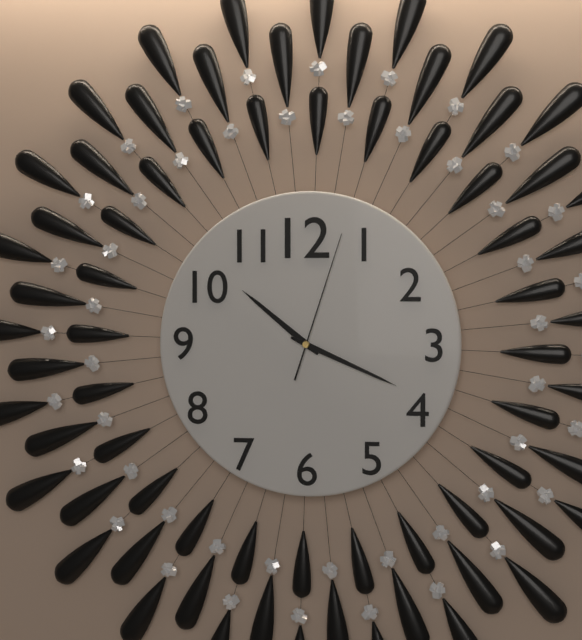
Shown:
**10:19:03**
